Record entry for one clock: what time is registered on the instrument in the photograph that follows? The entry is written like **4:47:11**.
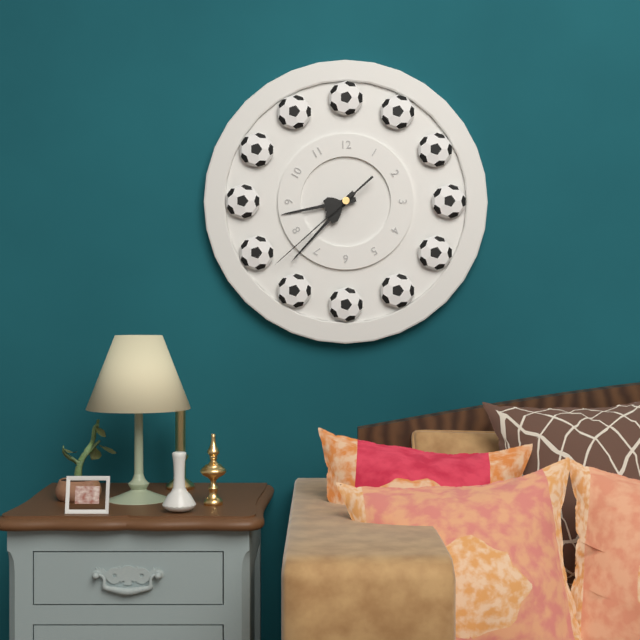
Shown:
**8:37:38**
